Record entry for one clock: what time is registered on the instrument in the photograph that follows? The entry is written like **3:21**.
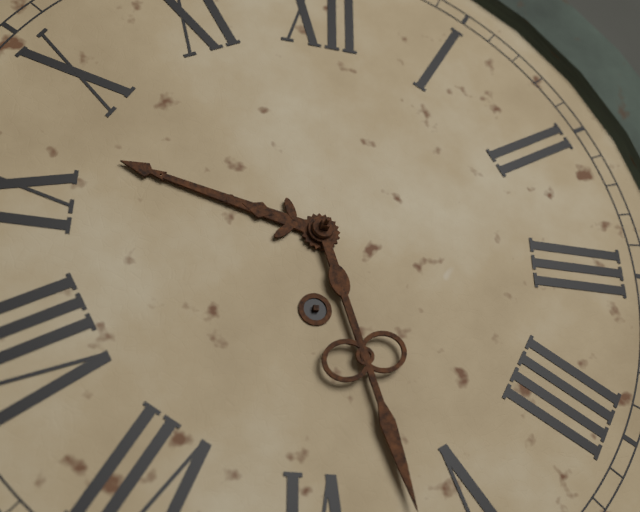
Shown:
**9:27**
